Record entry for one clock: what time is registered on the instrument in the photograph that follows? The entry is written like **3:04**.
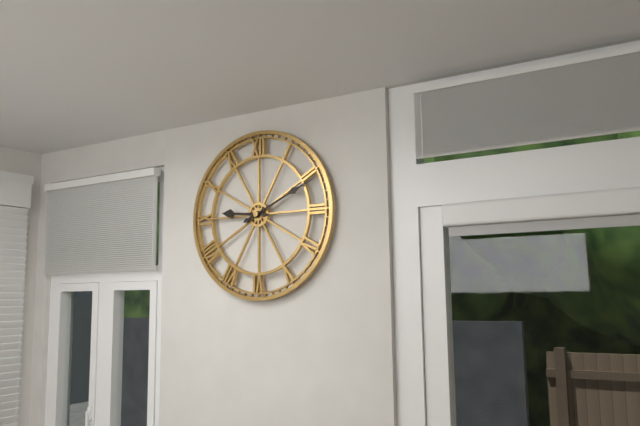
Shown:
**9:11**
